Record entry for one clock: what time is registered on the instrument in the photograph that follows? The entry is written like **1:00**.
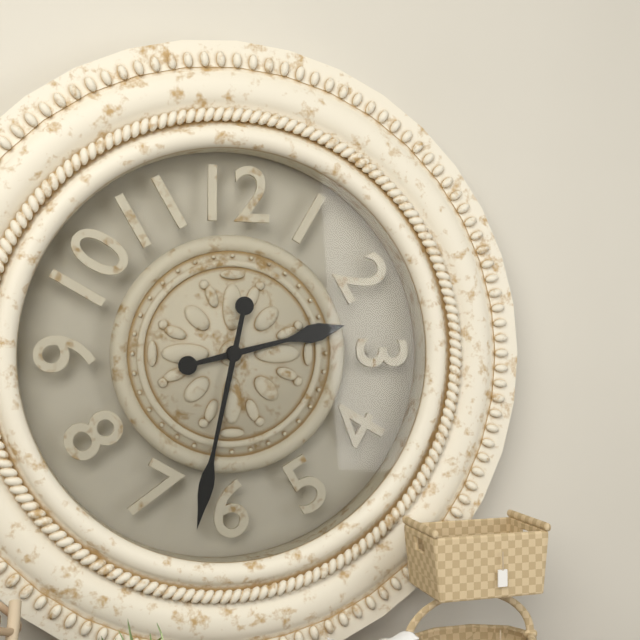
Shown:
**2:32**
